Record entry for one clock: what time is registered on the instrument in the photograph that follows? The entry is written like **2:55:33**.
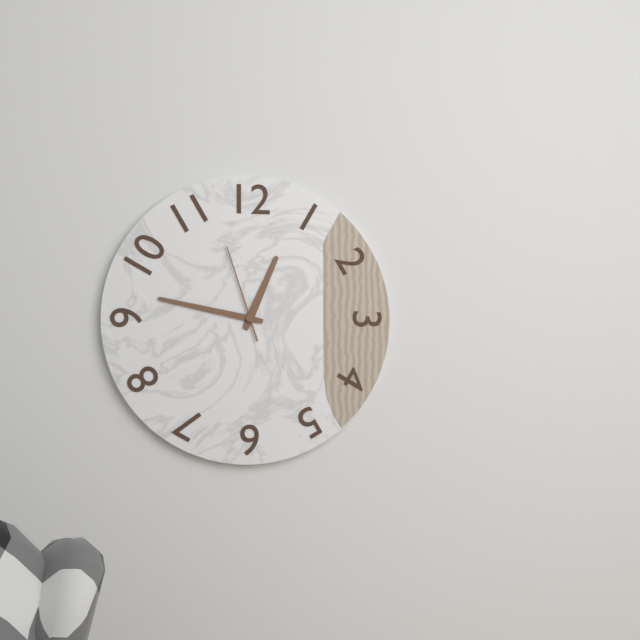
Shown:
**12:47:57**
